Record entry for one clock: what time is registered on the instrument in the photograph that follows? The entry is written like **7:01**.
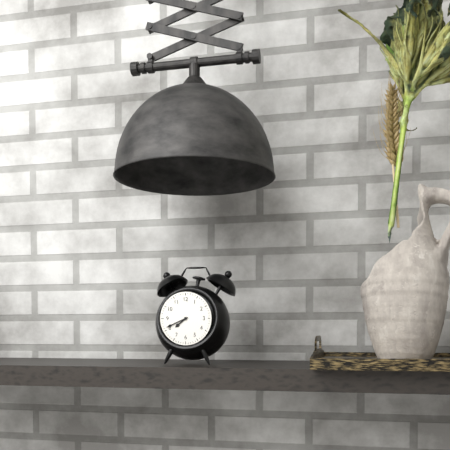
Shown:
**7:41**
